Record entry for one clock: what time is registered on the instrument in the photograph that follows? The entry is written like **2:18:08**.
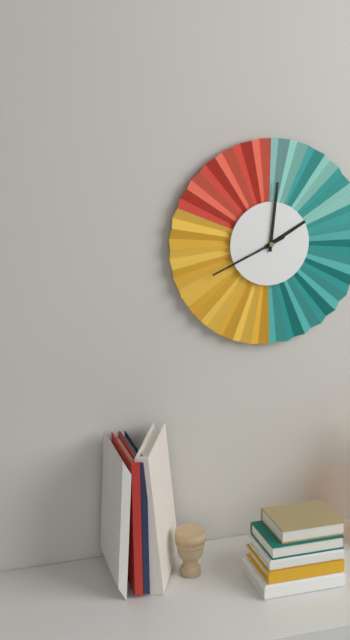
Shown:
**2:01:41**
